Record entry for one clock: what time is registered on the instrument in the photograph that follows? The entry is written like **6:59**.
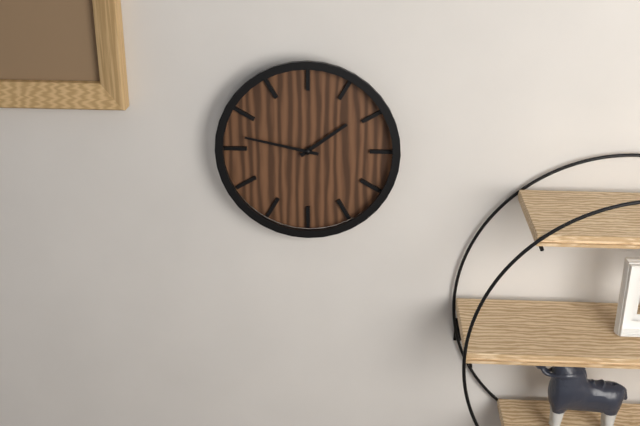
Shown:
**1:47**
